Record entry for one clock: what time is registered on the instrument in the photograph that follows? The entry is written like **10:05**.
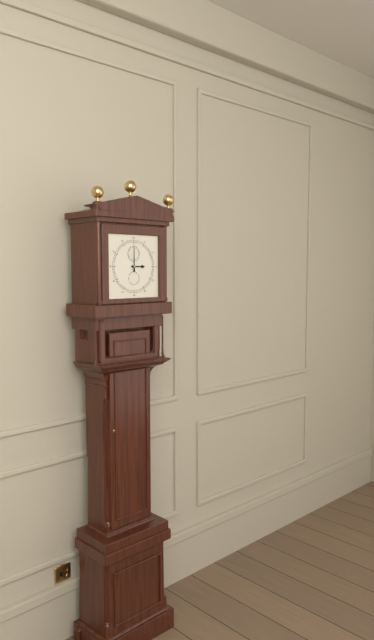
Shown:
**3:00**
